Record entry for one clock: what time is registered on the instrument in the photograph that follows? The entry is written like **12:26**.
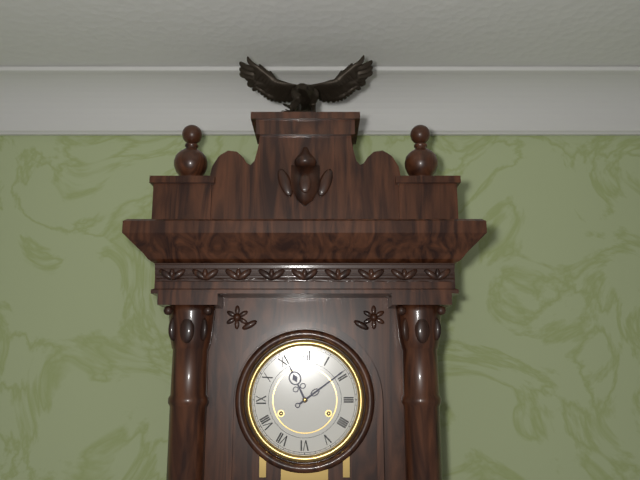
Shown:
**11:09**
